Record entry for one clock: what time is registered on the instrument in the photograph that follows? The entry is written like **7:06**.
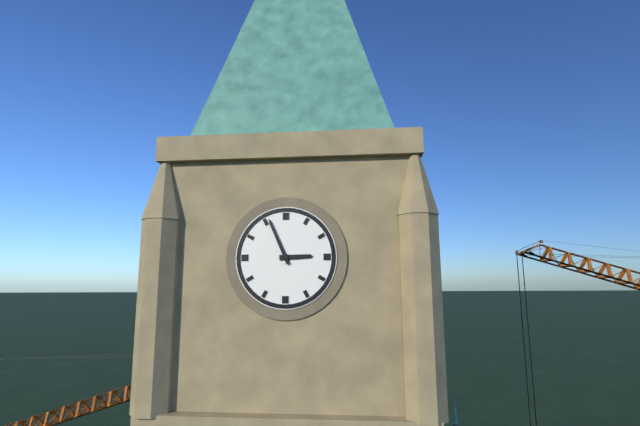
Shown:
**2:56**
